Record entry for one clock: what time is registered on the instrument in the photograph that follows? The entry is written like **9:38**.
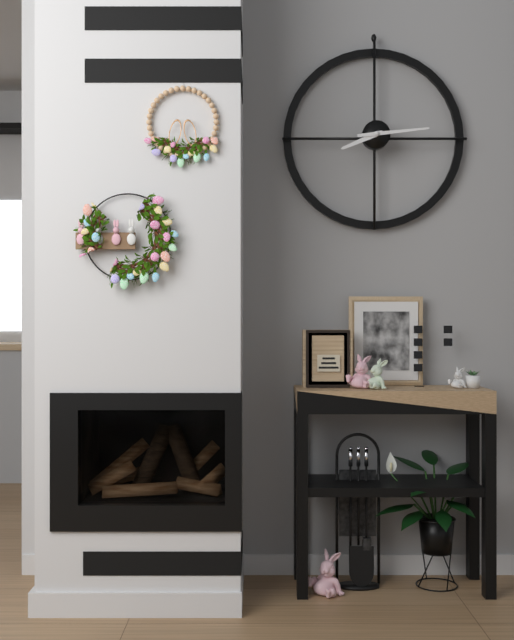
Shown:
**8:14**
